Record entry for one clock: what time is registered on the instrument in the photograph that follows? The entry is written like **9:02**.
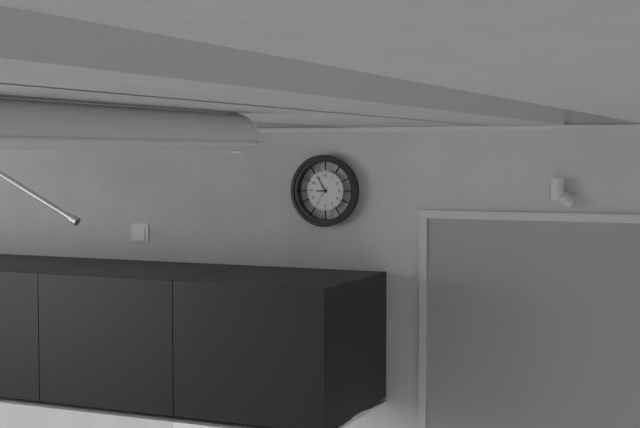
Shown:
**8:55**
